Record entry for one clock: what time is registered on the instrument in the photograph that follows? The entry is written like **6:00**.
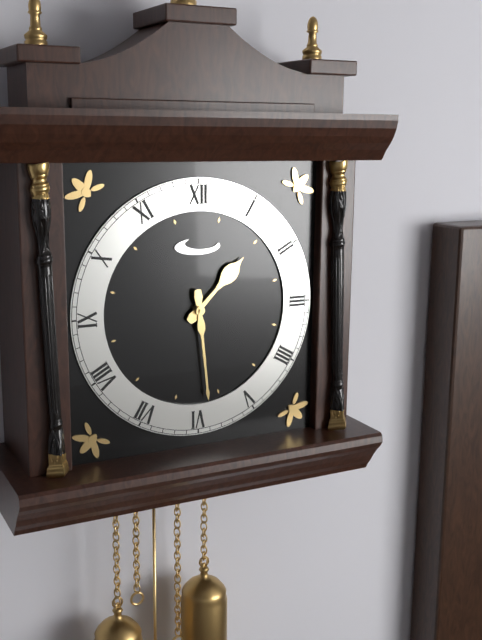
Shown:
**1:29**
